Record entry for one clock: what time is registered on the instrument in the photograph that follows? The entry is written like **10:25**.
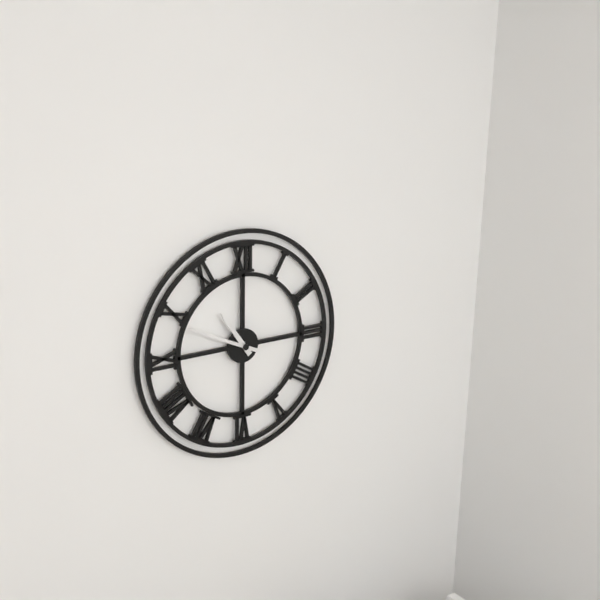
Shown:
**10:49**
